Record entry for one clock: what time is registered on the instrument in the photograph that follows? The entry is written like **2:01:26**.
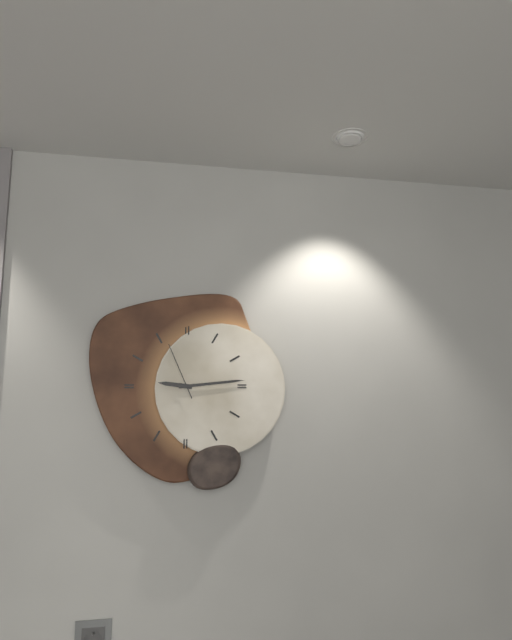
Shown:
**9:14:56**
